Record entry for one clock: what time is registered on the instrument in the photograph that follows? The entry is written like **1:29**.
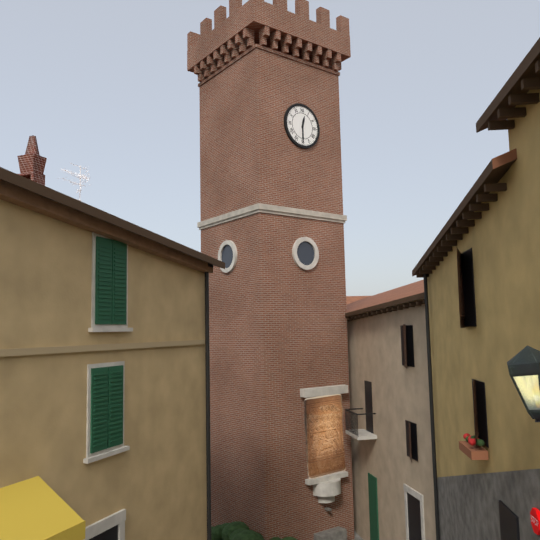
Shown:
**12:30**
